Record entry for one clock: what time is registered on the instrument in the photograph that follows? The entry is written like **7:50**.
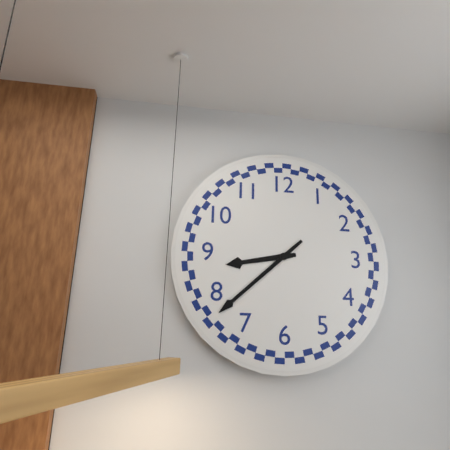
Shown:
**8:38**
